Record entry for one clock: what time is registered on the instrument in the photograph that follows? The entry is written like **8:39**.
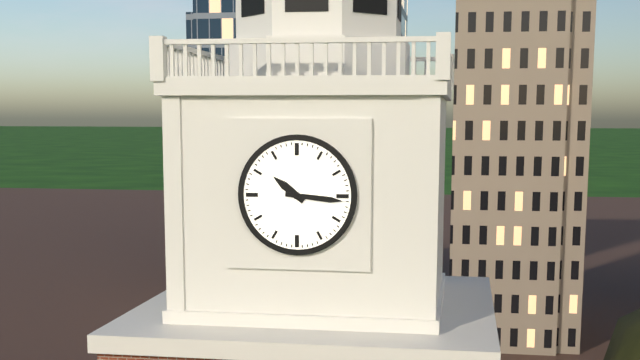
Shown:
**10:16**
